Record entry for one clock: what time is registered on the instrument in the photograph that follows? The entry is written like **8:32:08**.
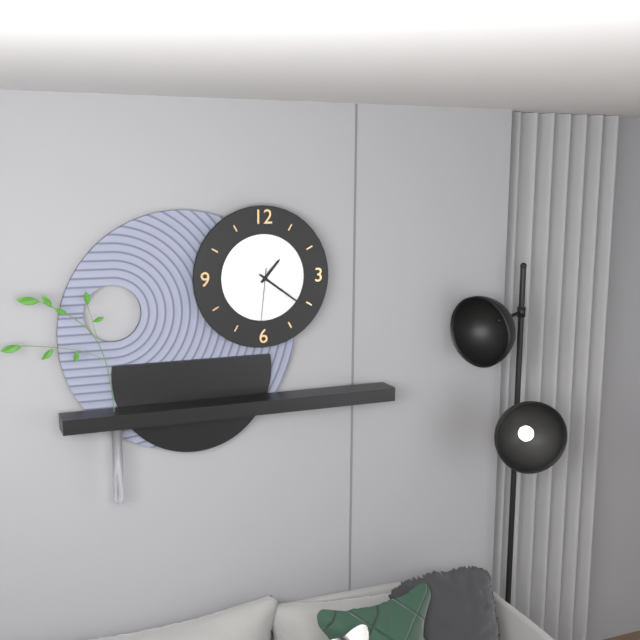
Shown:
**1:21:31**
